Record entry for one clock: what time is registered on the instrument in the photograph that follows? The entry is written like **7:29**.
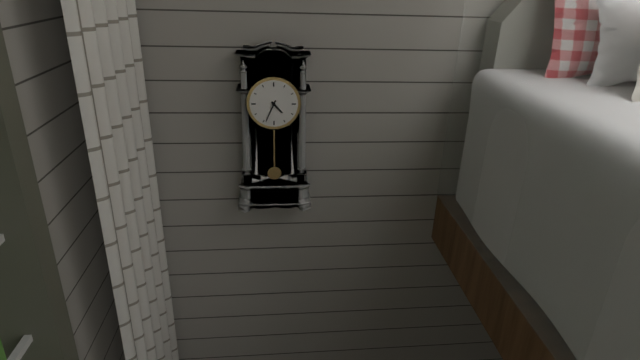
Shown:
**4:34**
